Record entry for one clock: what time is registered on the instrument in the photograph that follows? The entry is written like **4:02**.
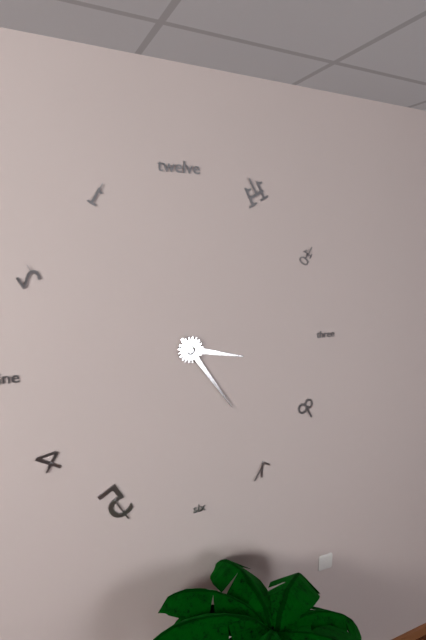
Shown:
**3:24**
